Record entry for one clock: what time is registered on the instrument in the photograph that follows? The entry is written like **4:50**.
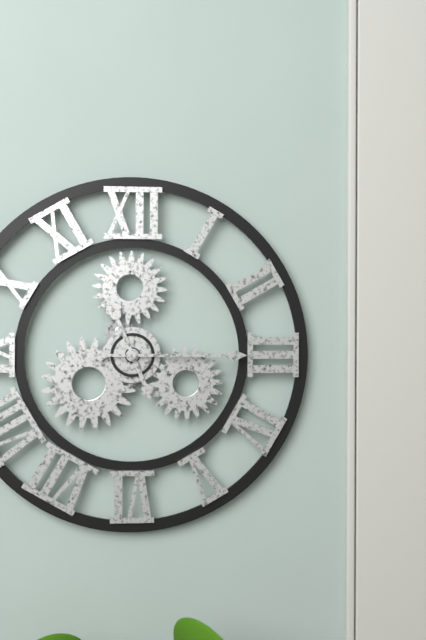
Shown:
**11:15**
